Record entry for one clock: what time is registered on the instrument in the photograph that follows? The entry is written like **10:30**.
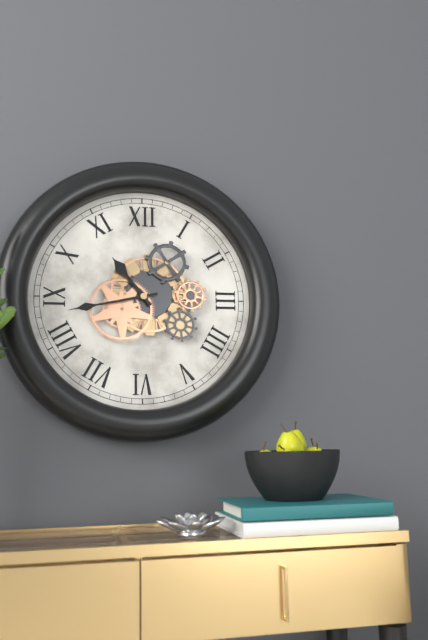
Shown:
**10:43**
